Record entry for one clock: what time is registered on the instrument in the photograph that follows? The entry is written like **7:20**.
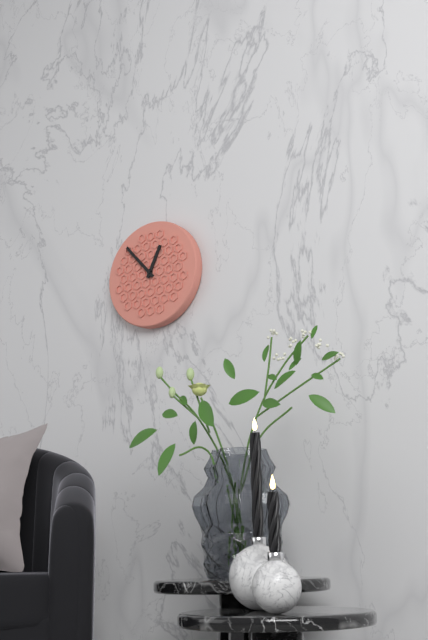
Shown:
**12:53**
